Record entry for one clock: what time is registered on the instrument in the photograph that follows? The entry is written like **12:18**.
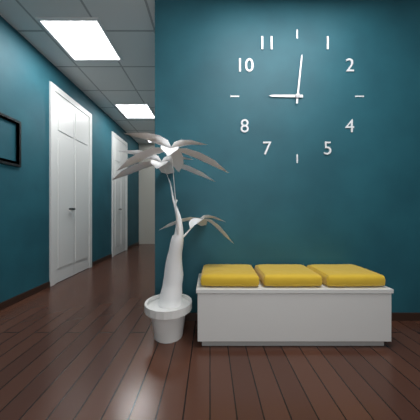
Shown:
**9:01**
